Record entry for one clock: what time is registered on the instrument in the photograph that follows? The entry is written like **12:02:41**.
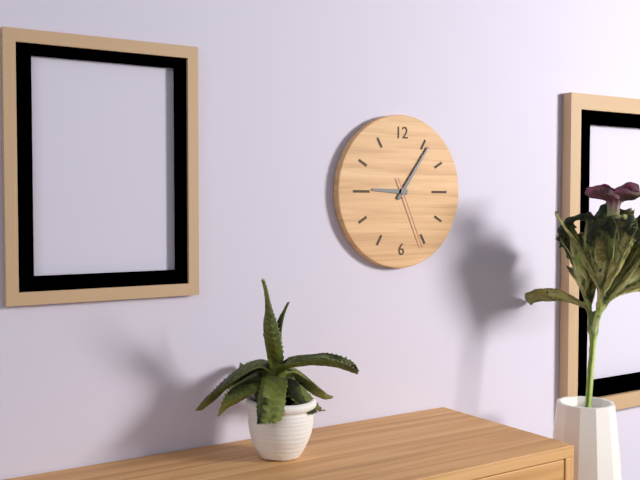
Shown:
**9:06:26**
